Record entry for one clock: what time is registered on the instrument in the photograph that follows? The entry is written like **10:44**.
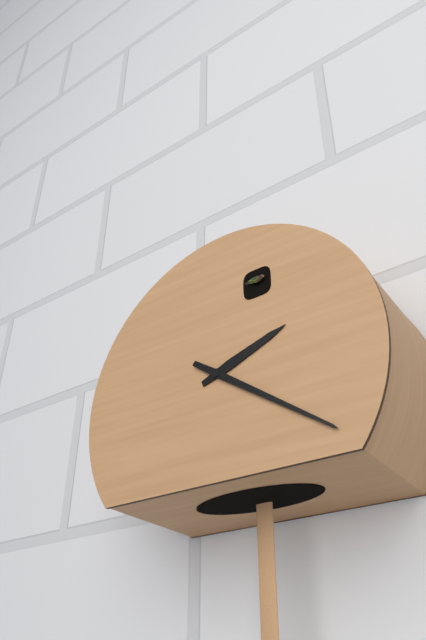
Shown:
**2:21**
